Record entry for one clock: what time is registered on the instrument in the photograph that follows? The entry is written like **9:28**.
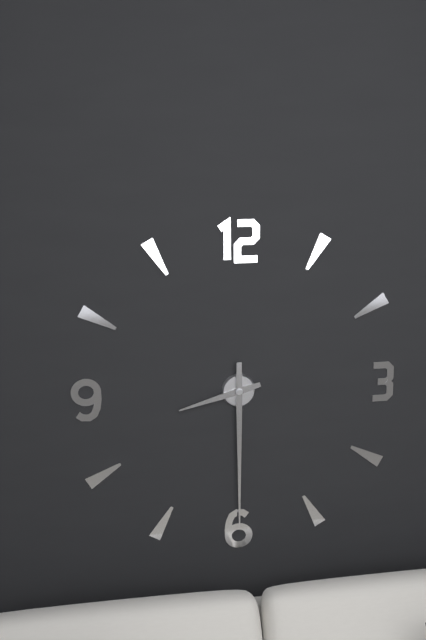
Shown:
**8:30**
